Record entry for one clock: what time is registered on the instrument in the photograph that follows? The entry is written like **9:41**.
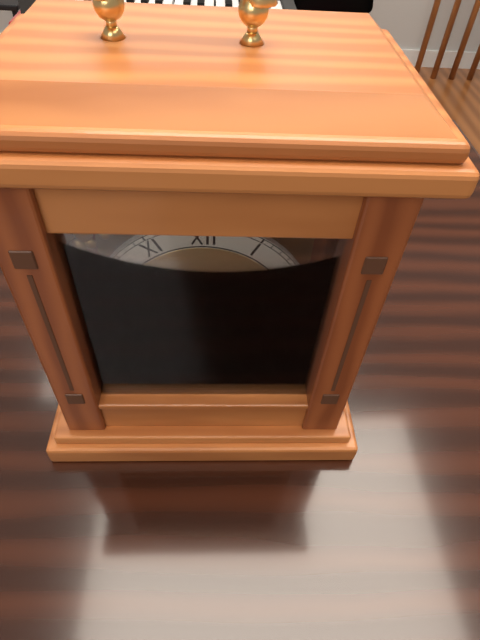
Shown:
**5:27**
